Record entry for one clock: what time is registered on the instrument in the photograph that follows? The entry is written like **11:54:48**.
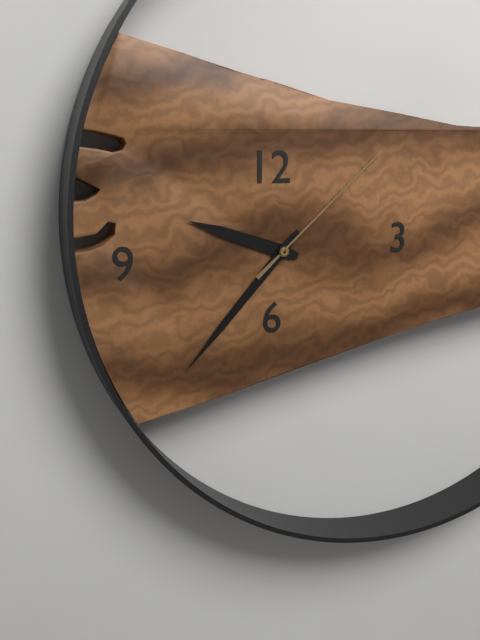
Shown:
**9:37:08**
